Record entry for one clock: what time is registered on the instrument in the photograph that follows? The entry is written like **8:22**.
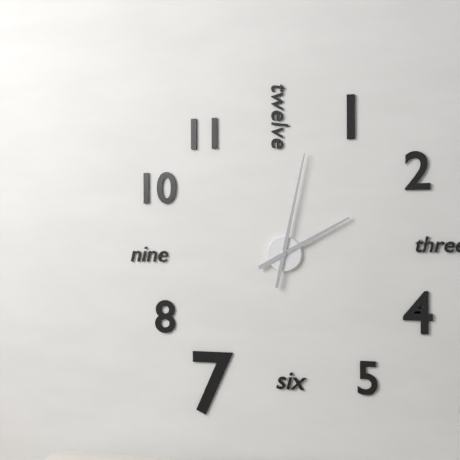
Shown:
**2:02**
